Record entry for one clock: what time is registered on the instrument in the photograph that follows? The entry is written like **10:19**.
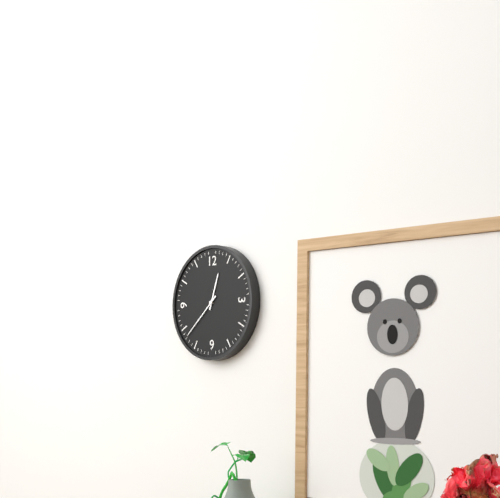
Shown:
**12:38**
